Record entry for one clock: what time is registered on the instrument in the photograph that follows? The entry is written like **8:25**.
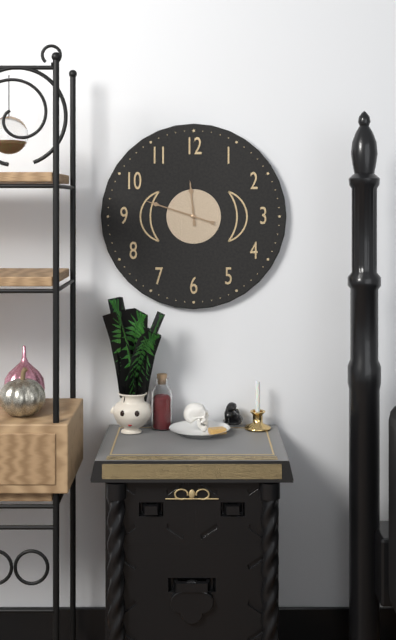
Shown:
**11:48**
